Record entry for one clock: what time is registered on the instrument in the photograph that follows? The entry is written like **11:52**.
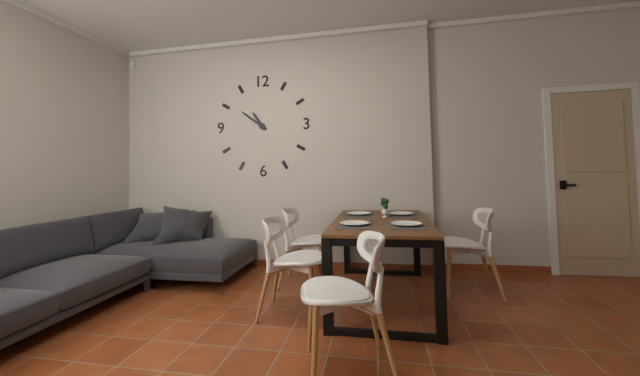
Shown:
**10:51**
